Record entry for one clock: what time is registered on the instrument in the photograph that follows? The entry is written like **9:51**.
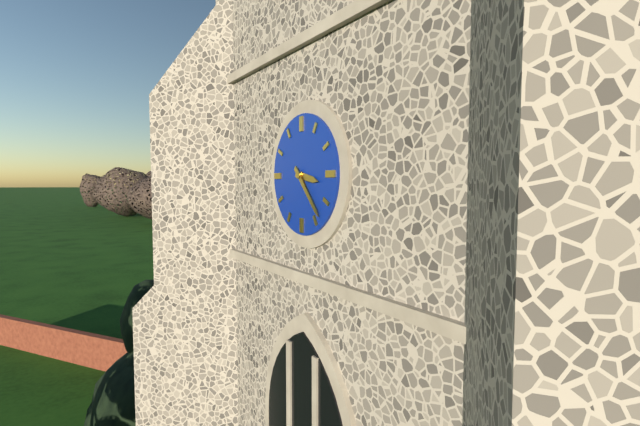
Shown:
**3:23**
